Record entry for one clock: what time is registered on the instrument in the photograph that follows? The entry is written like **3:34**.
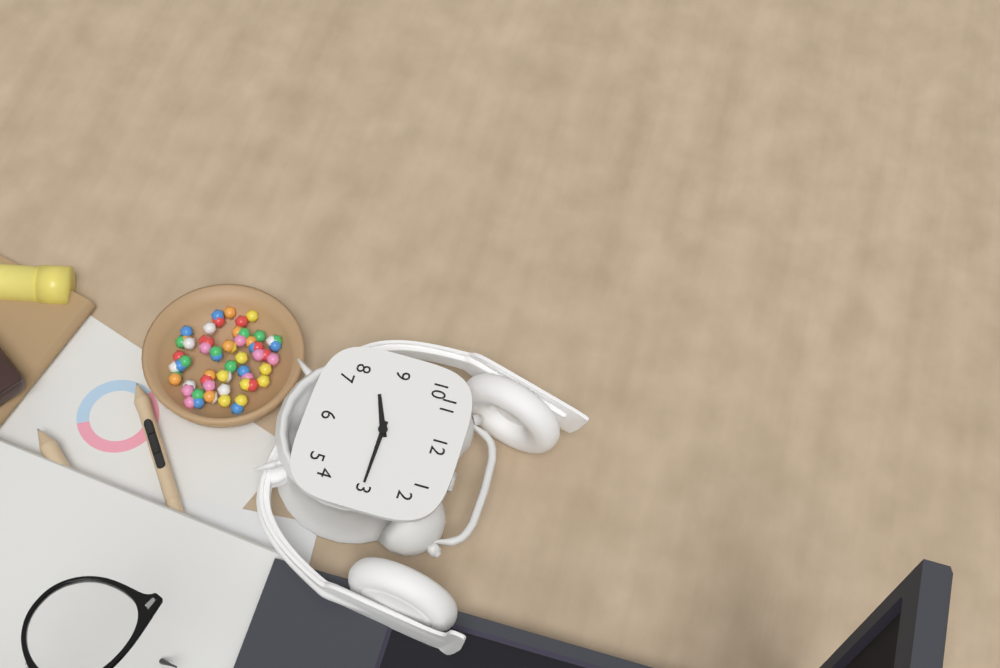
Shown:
**8:15**
